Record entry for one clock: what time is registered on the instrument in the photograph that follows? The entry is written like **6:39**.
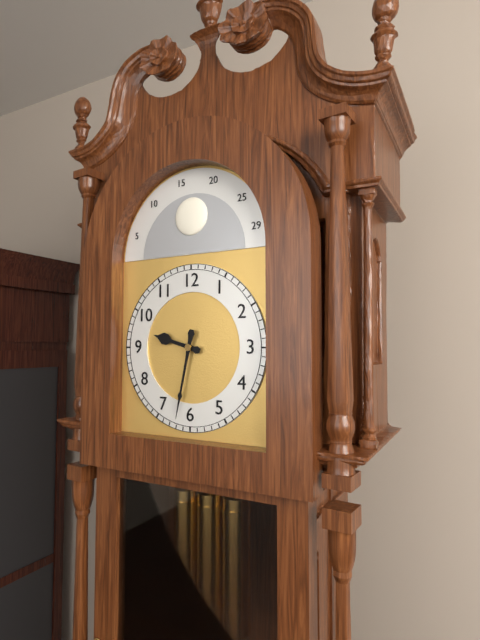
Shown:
**9:32**
